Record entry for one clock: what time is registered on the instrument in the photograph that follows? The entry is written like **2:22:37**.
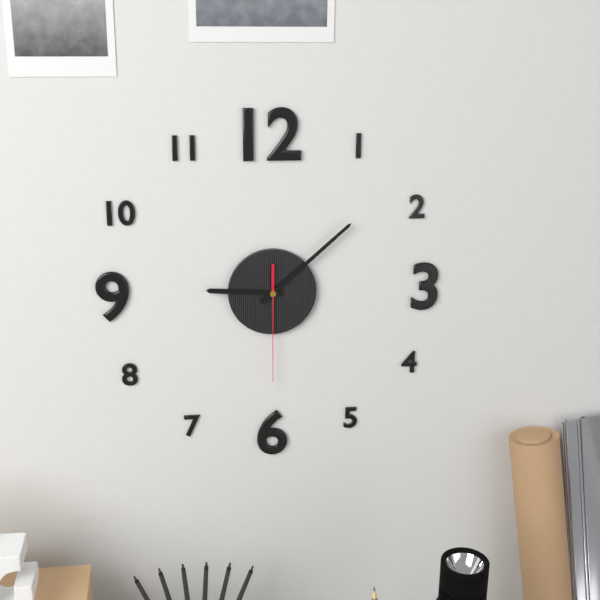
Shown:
**9:08:30**
